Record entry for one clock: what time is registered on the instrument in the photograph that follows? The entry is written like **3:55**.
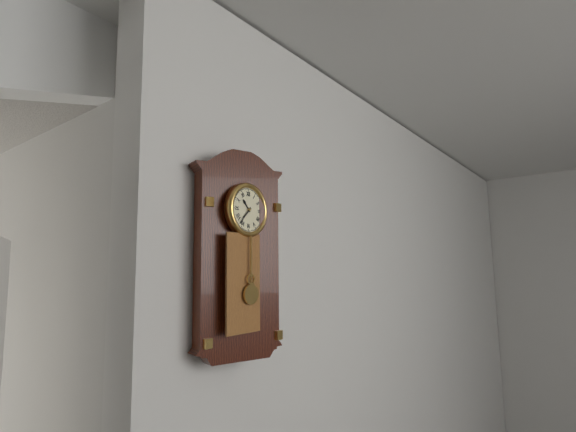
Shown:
**10:37**
